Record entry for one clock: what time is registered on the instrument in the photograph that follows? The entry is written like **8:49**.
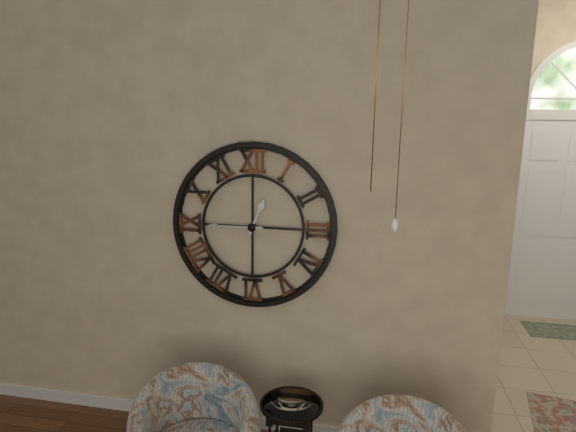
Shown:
**12:45**
